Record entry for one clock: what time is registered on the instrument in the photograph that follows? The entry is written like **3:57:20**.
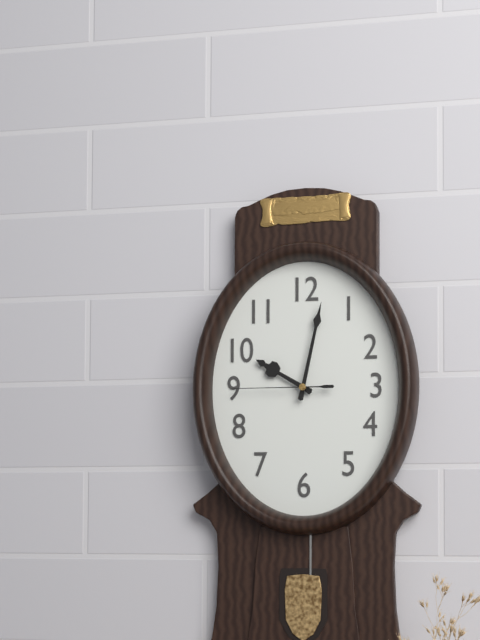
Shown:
**10:02:45**
